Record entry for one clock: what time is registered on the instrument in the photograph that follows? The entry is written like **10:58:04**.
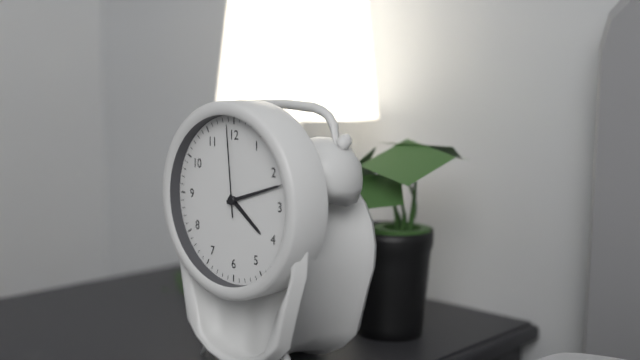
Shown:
**4:12:59**
